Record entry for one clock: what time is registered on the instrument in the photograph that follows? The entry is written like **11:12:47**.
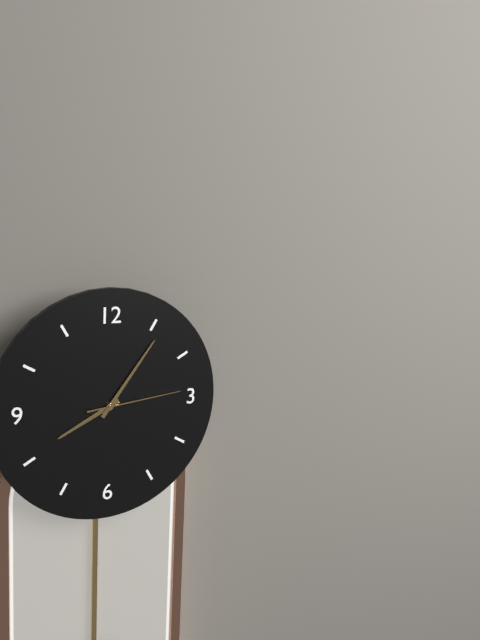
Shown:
**8:06:14**
